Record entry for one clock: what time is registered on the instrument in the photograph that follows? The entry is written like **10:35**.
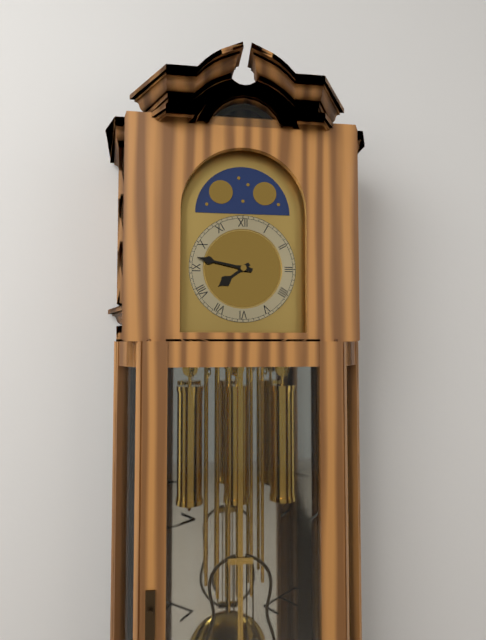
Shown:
**7:47**
